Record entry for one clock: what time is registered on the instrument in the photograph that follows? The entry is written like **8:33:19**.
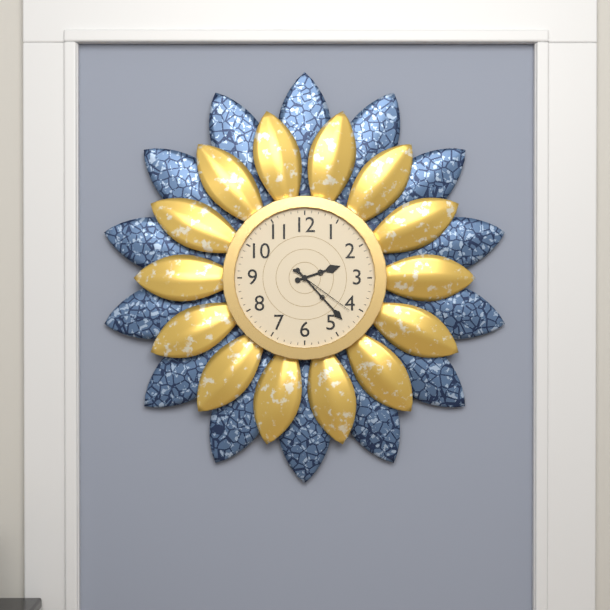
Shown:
**2:23:21**
